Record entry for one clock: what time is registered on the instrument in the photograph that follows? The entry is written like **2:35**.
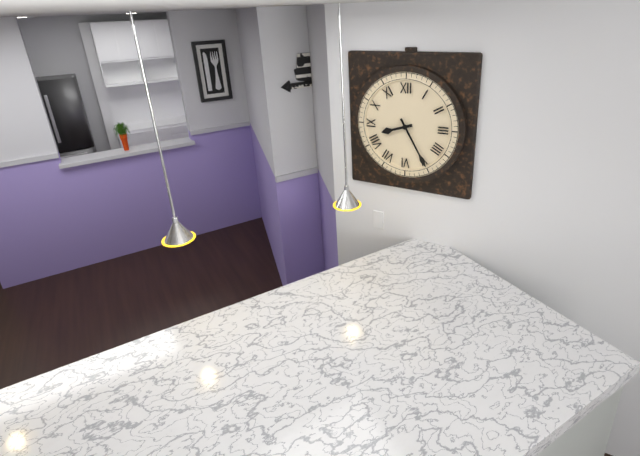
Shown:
**8:25**
